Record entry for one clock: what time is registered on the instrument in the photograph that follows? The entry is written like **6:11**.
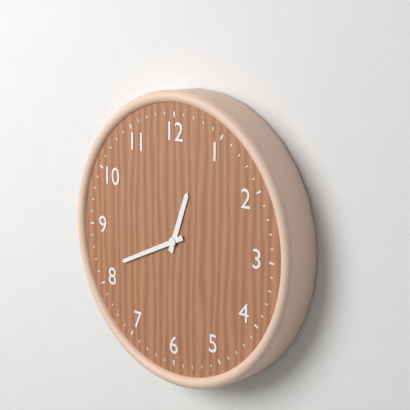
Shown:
**12:41**
